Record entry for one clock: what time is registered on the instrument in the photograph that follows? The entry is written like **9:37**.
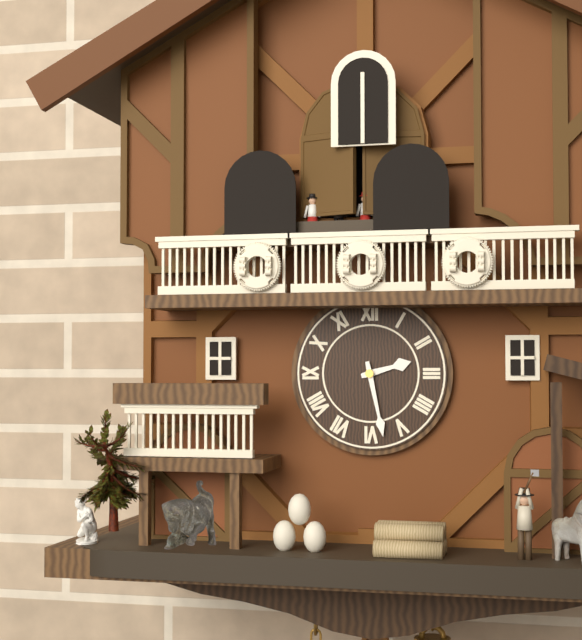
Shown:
**2:28**
